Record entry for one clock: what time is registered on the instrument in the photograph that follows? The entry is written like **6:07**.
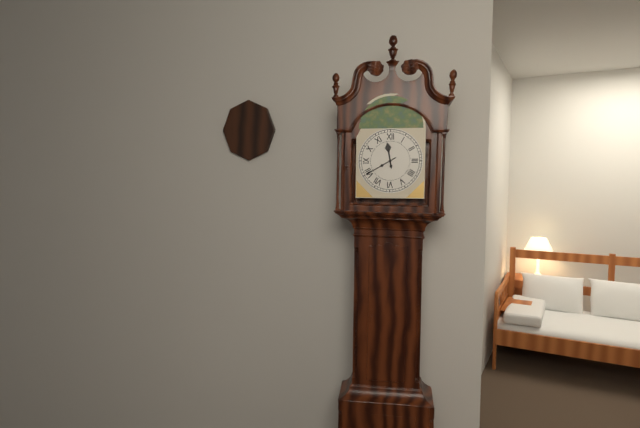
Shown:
**11:40**
